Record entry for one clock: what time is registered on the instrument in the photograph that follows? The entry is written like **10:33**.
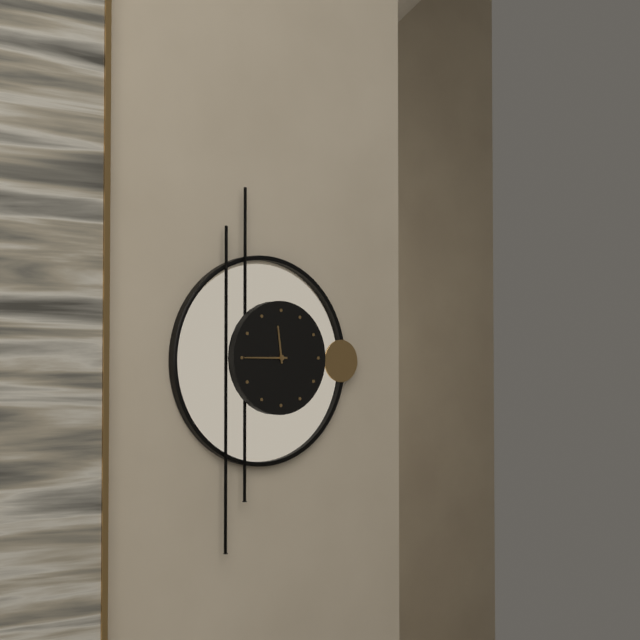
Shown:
**11:45**
